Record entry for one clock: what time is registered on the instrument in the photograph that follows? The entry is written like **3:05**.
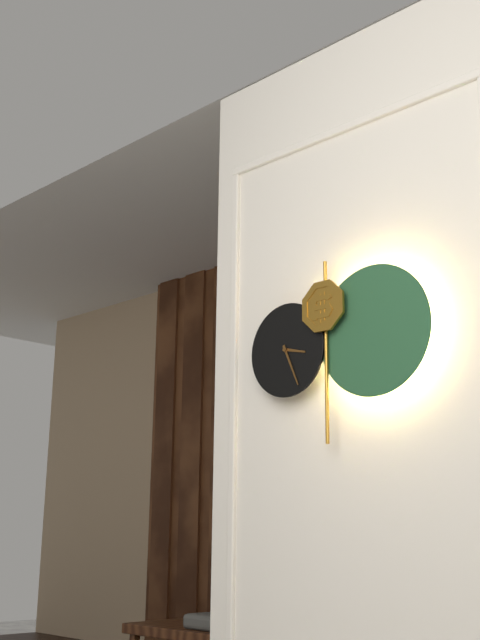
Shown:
**3:26**
